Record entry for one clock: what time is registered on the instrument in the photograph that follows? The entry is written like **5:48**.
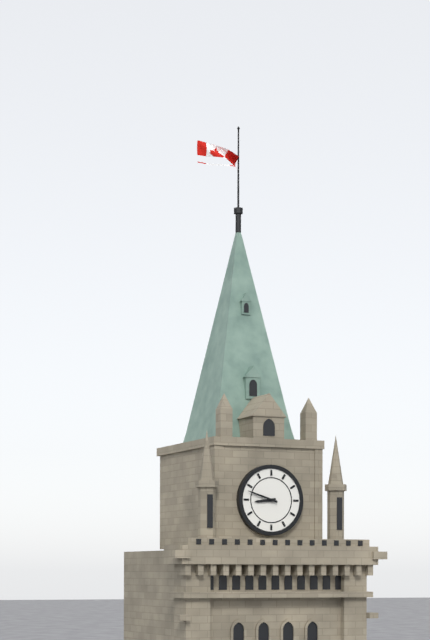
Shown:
**8:48**
